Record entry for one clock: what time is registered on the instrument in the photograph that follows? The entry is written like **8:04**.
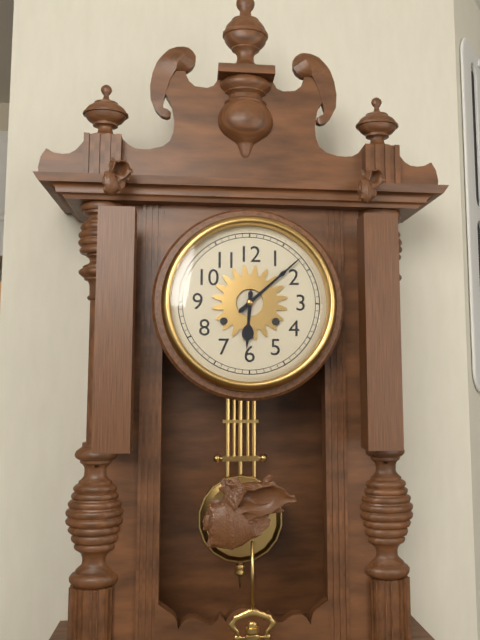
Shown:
**6:08**
